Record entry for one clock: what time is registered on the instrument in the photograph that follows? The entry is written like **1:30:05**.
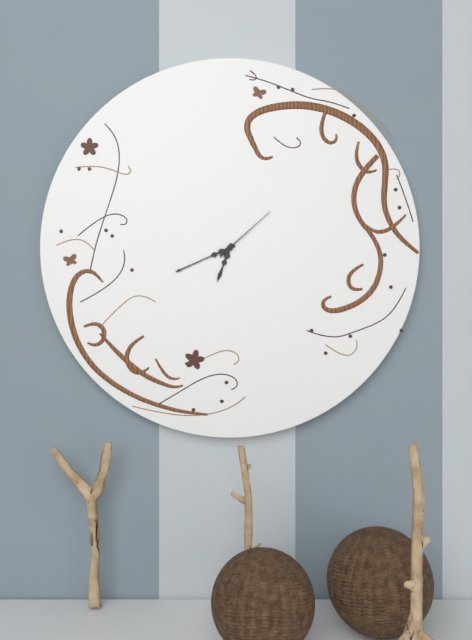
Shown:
**6:41:08**
